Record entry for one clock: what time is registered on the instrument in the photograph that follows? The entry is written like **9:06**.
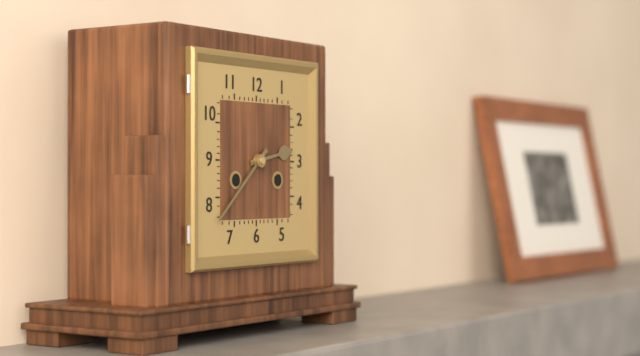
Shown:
**2:38**
